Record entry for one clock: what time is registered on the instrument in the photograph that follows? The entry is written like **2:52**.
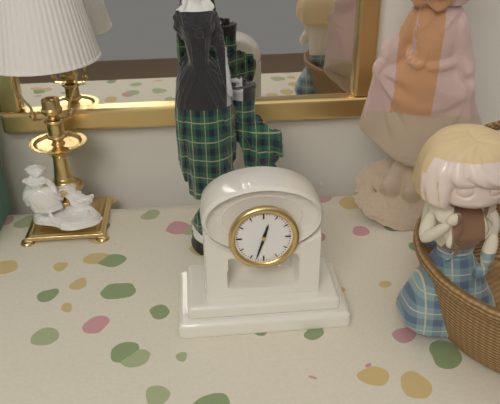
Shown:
**12:33**
